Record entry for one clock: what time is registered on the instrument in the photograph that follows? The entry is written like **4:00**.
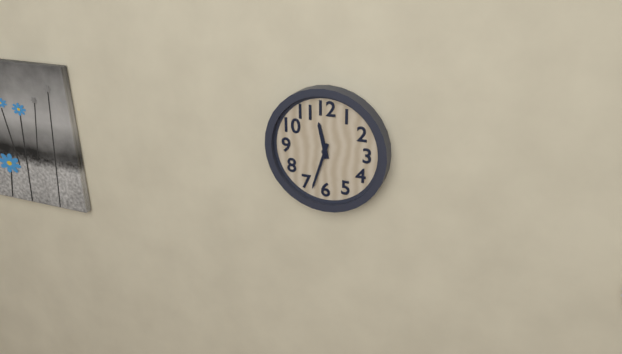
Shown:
**11:33**
